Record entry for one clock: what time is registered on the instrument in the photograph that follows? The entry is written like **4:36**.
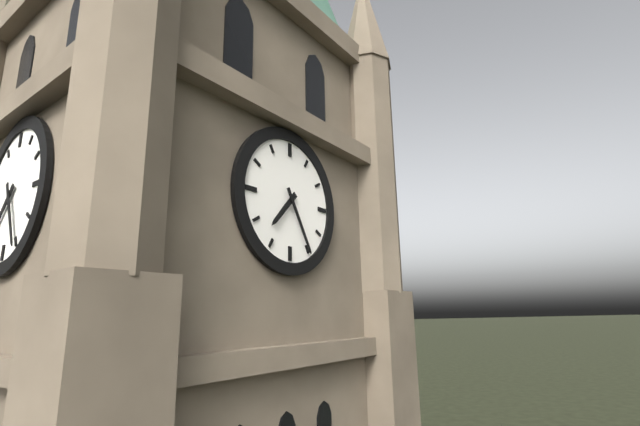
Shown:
**7:25**
